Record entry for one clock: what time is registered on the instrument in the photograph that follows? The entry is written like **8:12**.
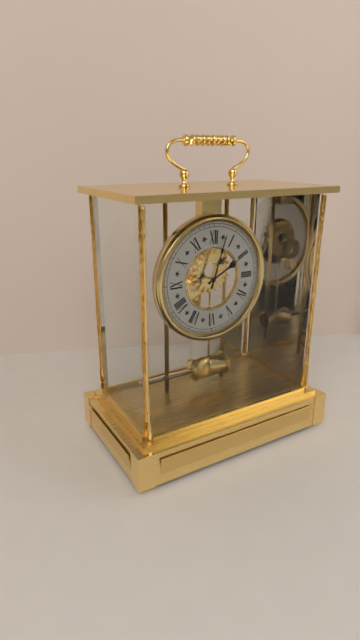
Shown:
**2:03**
